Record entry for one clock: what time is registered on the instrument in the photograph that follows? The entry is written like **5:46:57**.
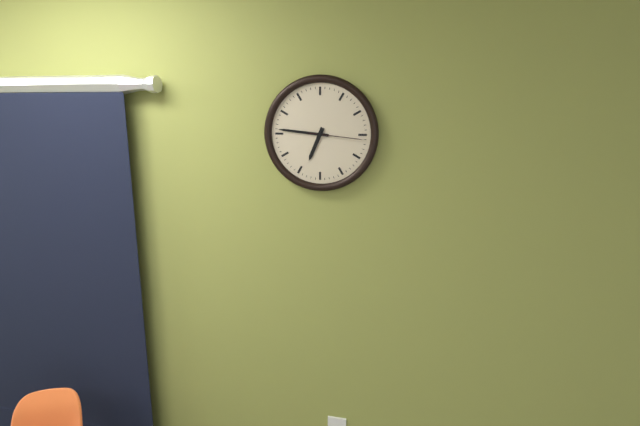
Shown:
**6:46:16**
